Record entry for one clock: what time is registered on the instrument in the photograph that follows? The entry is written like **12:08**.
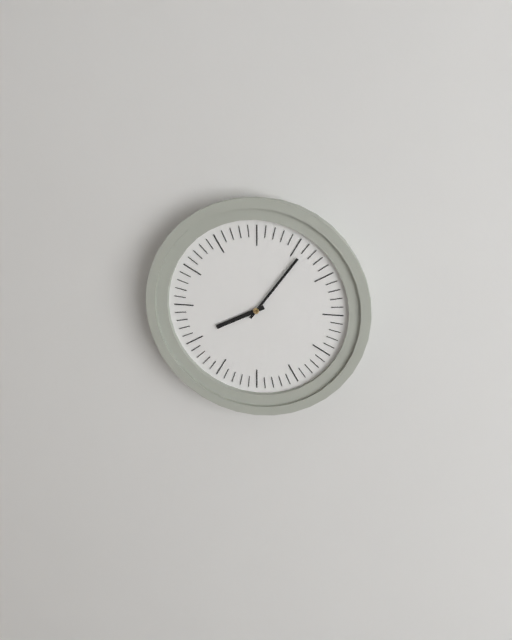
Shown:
**8:06**
